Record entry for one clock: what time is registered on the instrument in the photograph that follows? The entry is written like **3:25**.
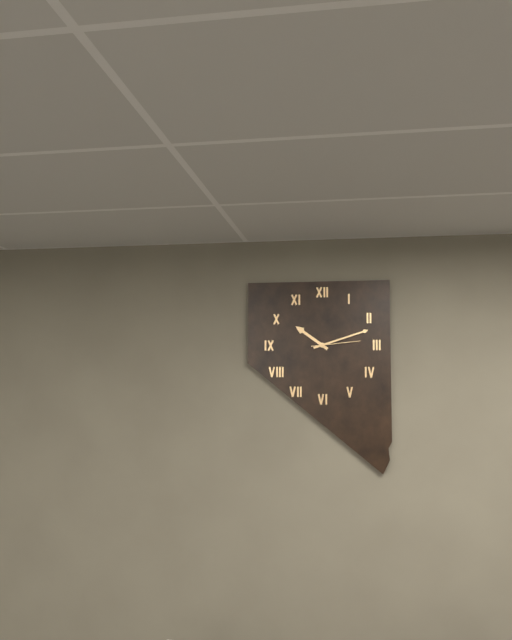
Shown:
**10:12**
